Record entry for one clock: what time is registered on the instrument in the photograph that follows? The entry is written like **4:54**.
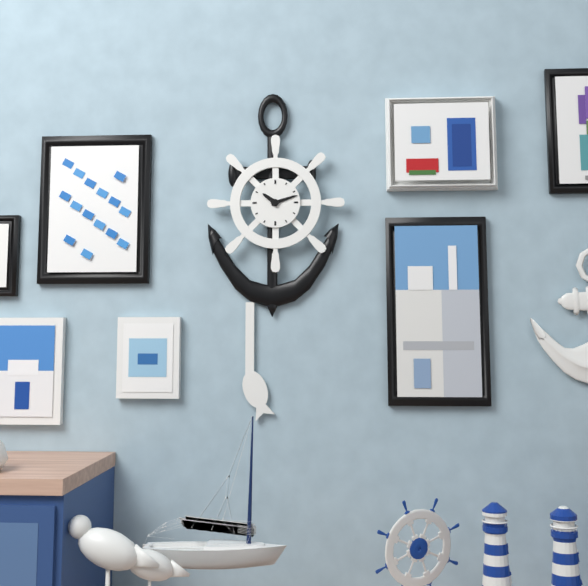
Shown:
**10:12**
